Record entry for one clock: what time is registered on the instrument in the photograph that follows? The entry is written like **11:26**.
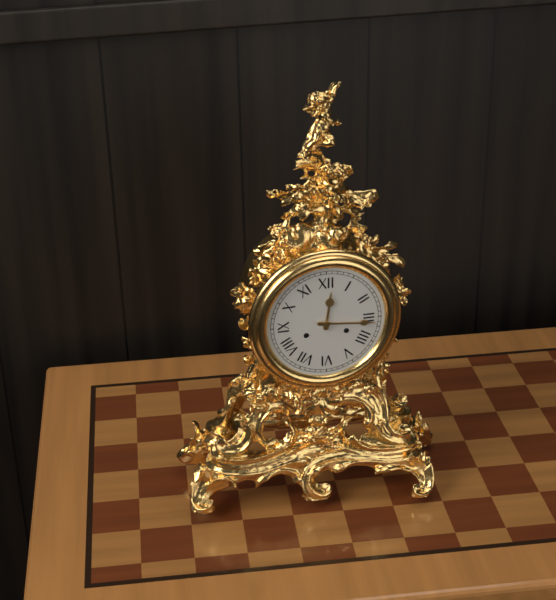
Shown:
**12:16**
